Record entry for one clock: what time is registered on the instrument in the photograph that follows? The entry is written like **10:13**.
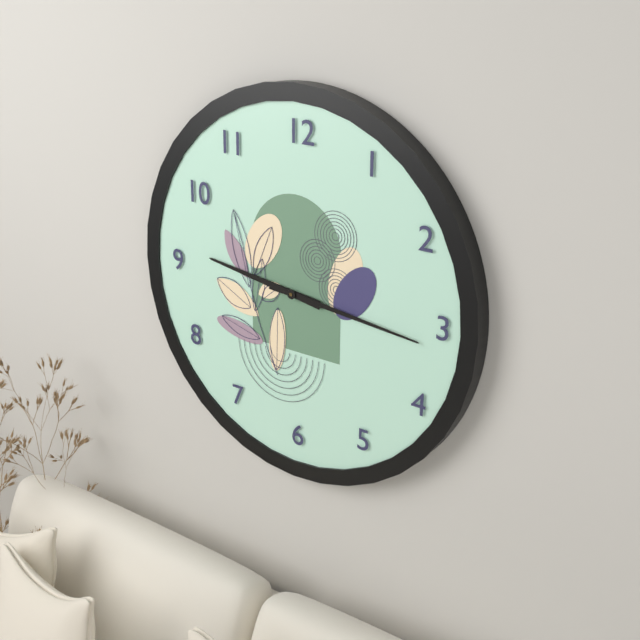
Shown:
**9:16**
